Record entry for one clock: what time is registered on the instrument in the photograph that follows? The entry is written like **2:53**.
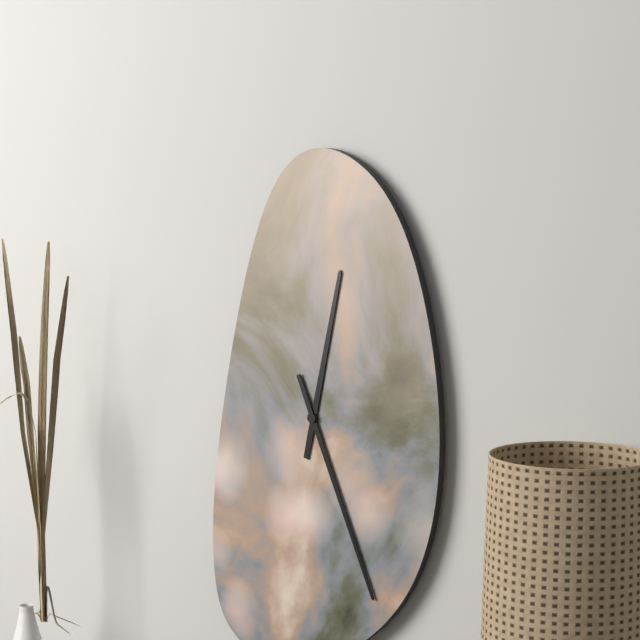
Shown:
**12:26**
